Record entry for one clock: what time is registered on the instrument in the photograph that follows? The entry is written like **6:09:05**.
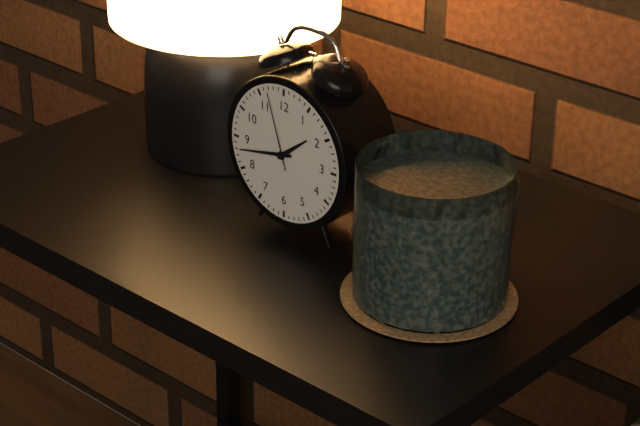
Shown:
**1:43:57**
